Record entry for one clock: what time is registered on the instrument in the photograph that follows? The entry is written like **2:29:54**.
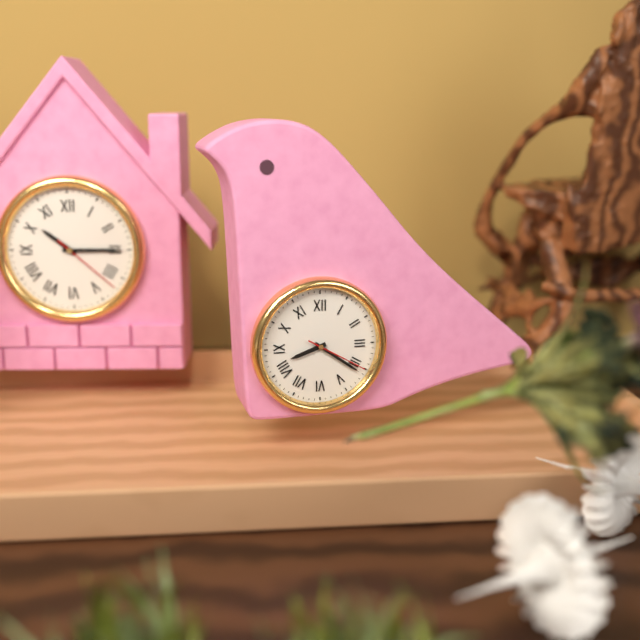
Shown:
**8:21:20**
